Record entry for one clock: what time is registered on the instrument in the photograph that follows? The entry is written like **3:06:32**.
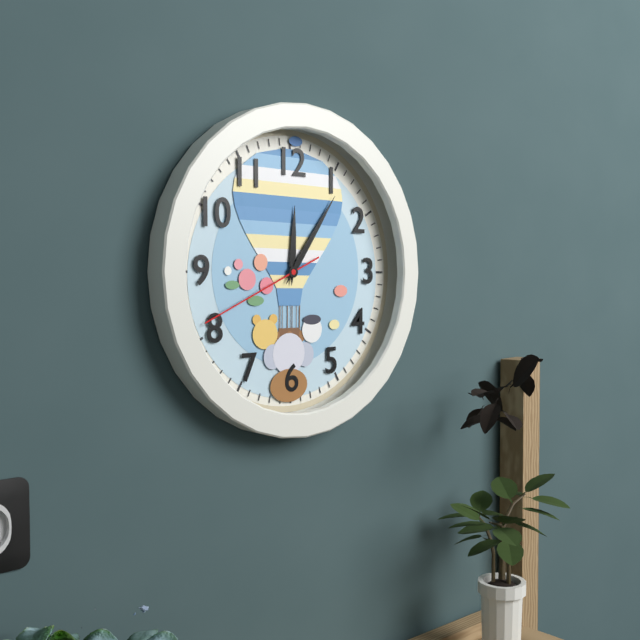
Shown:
**12:06:41**
